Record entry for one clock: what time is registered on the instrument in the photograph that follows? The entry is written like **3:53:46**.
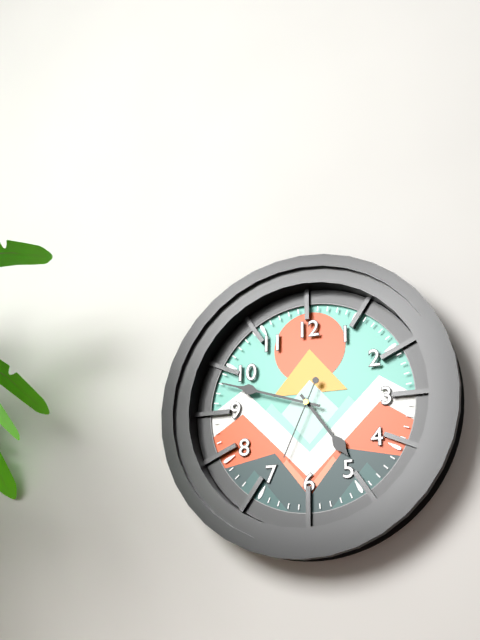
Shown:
**4:48:34**
